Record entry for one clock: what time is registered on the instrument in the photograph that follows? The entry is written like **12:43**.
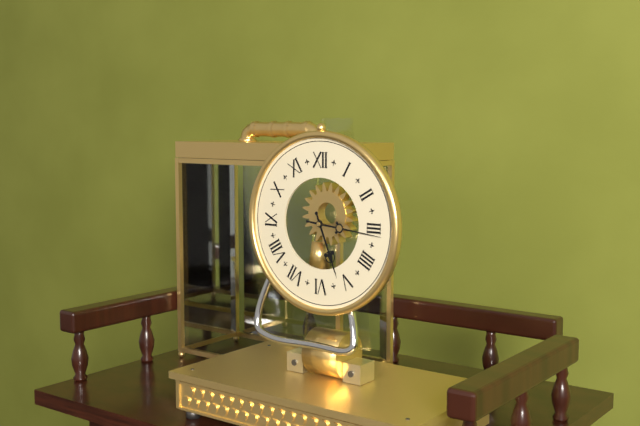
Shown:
**5:16**
